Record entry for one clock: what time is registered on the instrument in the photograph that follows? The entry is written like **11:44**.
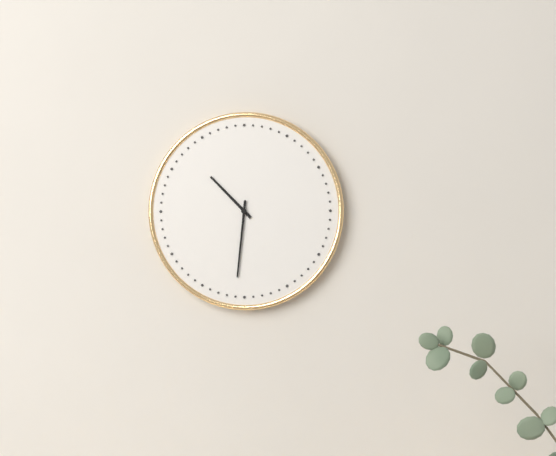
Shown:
**10:31**
